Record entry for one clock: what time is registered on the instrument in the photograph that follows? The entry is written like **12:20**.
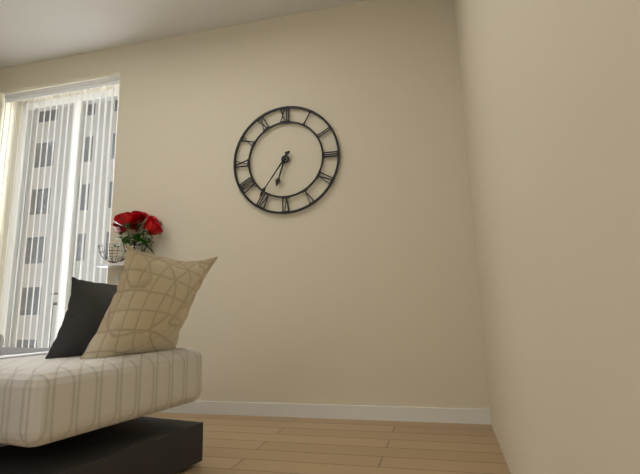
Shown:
**6:36**
